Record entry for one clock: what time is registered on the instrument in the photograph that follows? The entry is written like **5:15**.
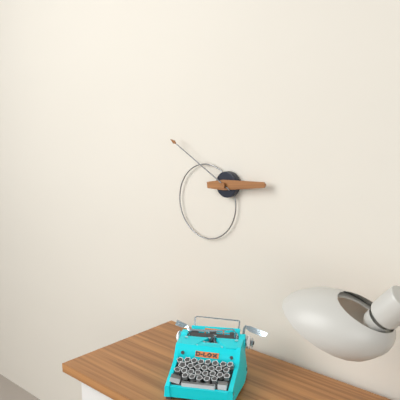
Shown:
**2:50**
